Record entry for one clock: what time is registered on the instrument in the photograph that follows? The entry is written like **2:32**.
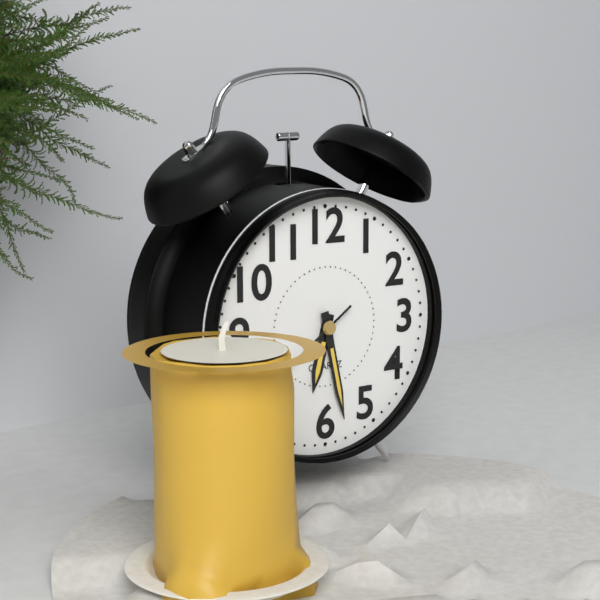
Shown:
**6:28**
